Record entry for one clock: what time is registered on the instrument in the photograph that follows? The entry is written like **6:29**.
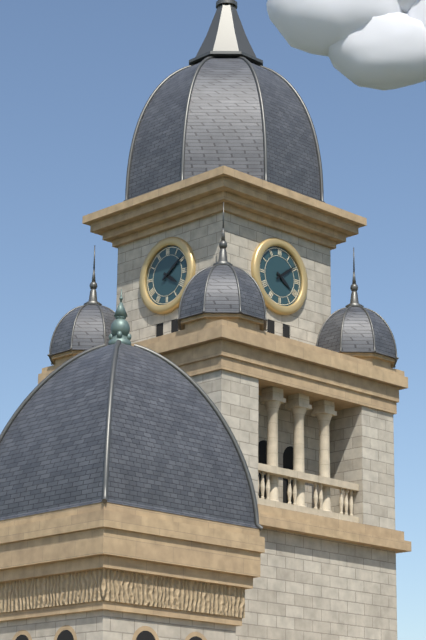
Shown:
**4:09**
